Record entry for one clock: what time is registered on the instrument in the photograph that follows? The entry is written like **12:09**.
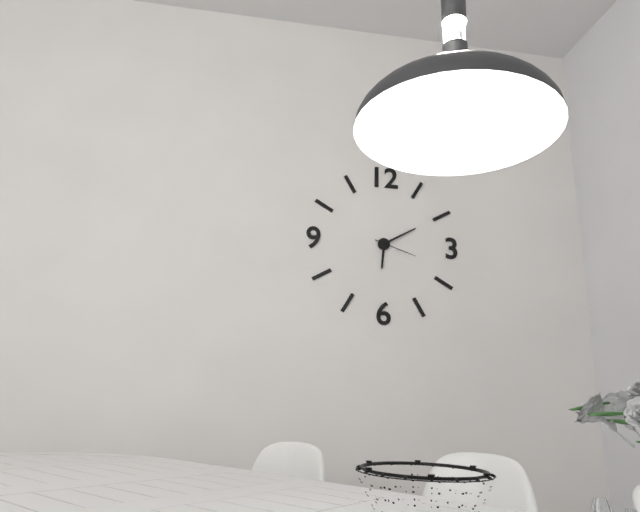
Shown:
**6:10**
